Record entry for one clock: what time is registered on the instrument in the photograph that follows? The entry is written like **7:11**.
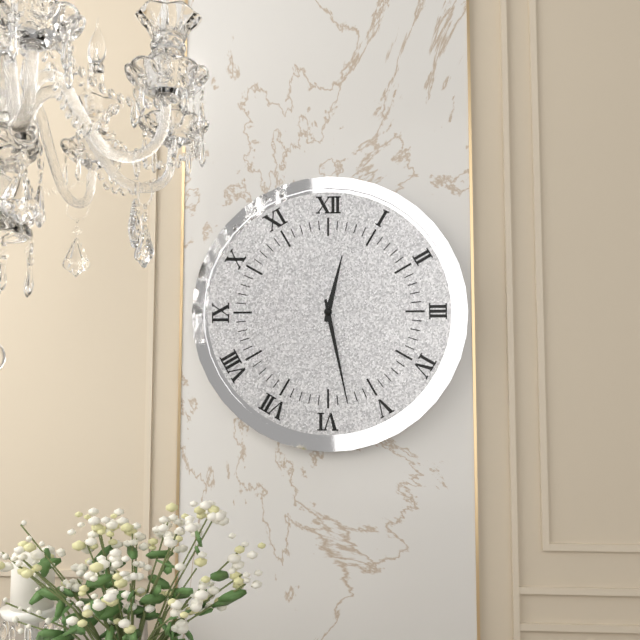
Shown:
**12:28**
